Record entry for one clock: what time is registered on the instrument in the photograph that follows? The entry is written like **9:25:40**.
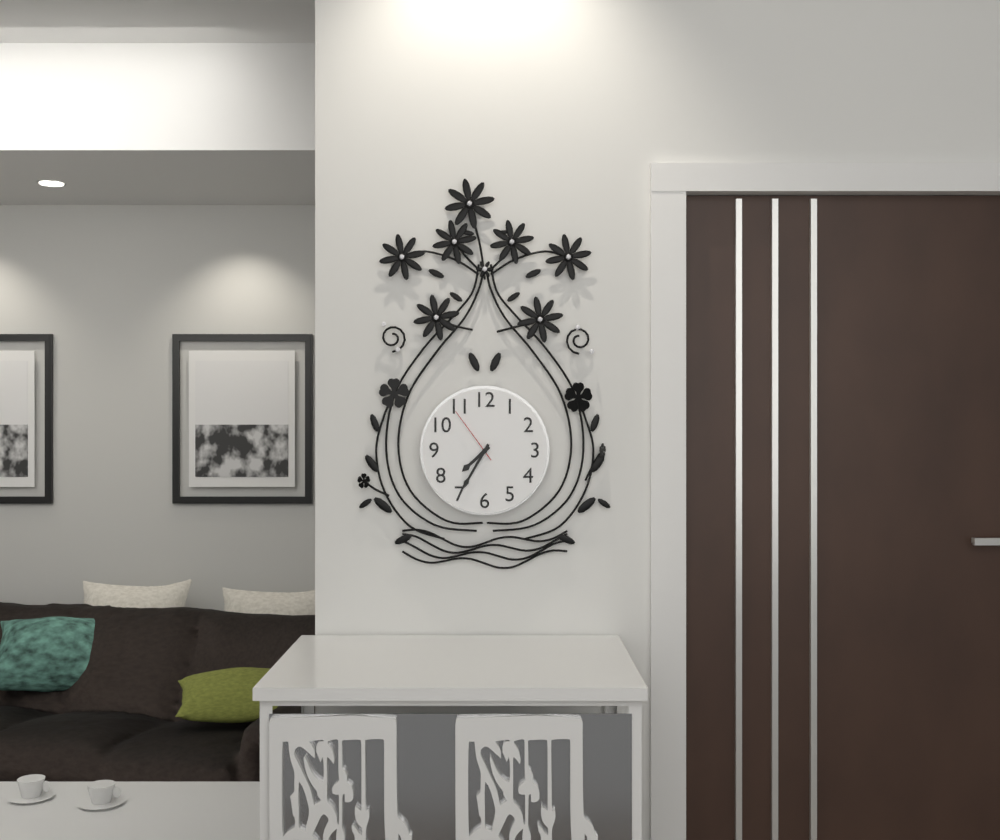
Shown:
**7:35:54**
